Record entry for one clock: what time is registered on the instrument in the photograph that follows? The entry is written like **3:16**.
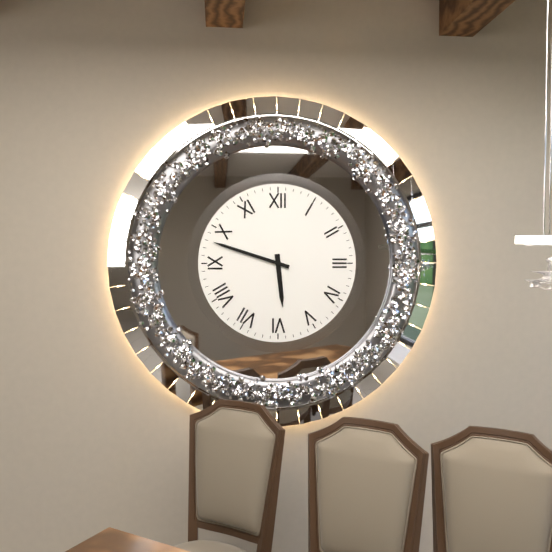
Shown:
**5:48**
